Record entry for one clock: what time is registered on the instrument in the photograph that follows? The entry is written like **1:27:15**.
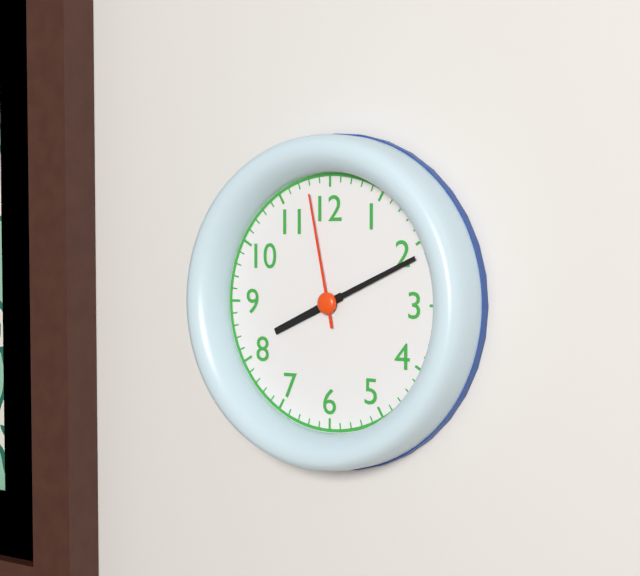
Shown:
**8:11:58**
